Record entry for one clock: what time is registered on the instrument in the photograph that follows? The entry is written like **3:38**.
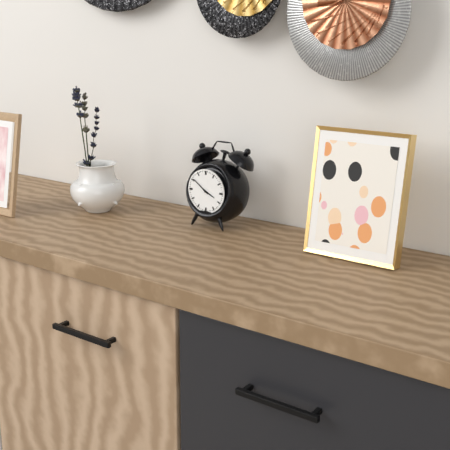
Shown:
**3:51**
